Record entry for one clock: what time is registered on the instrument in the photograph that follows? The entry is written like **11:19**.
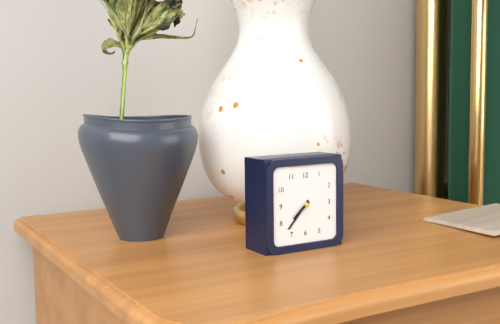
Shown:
**7:37**
